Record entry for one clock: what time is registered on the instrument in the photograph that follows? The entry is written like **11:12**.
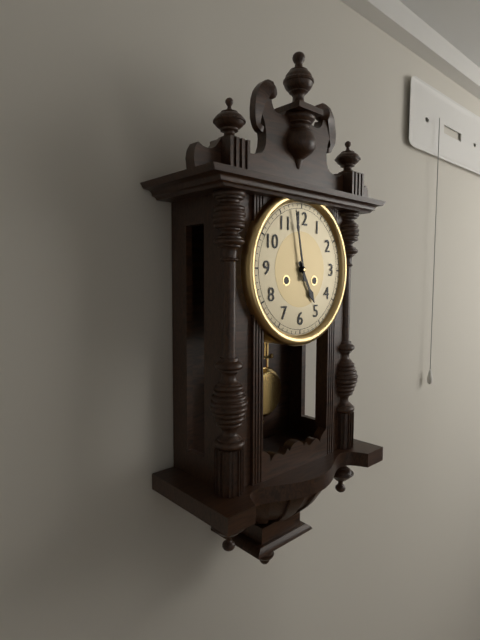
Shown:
**4:58**
